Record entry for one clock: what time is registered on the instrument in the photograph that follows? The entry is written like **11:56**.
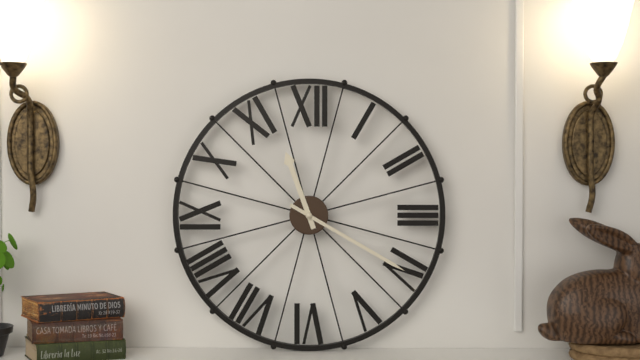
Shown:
**11:20**
